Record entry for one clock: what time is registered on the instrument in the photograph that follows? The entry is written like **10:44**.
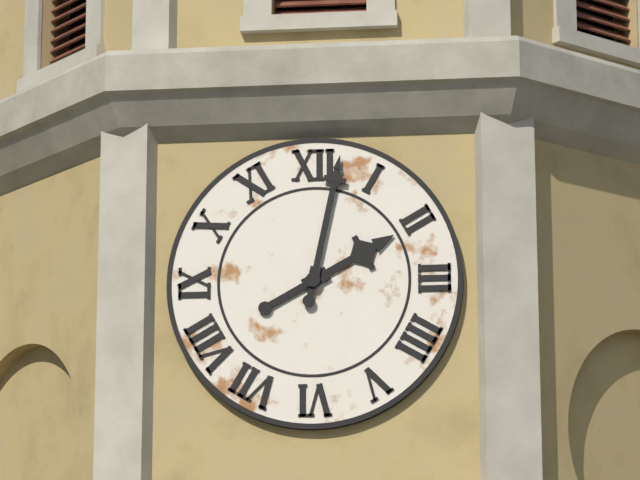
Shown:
**2:02**
